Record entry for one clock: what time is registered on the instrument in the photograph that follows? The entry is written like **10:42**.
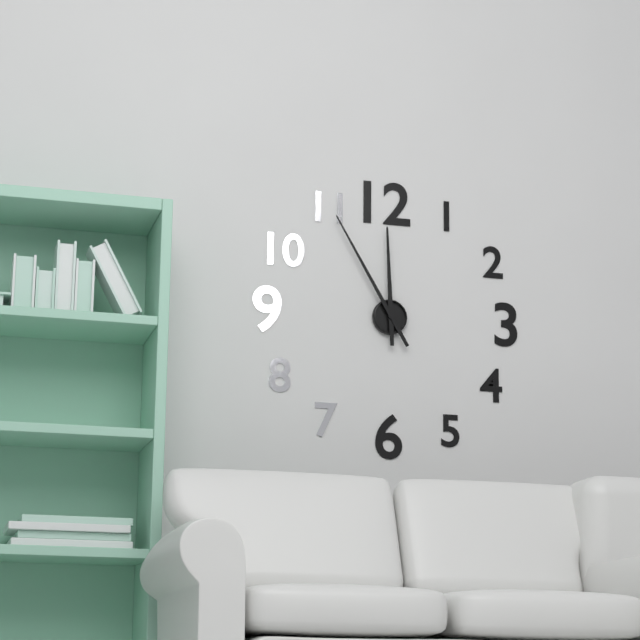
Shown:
**11:55**
